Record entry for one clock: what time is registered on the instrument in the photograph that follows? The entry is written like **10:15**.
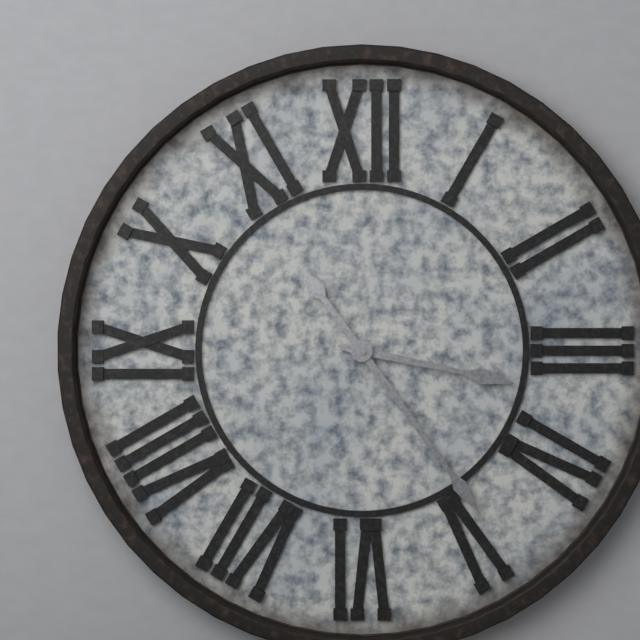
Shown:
**3:24**
